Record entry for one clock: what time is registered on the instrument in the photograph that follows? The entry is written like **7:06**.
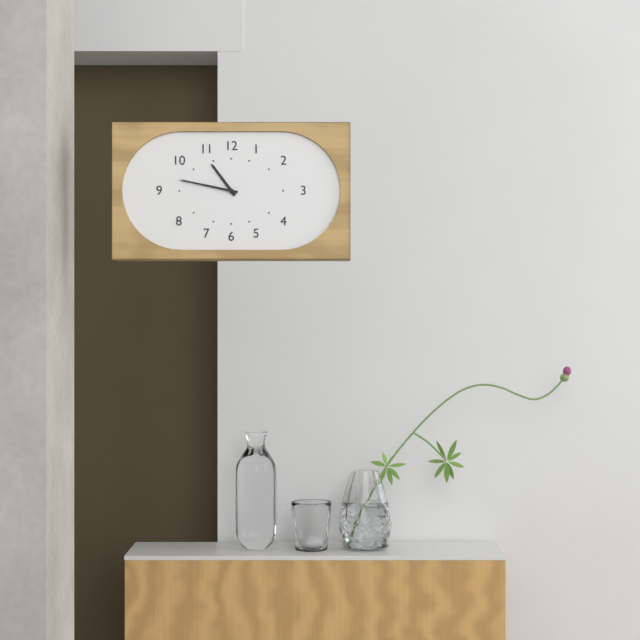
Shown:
**10:47**
